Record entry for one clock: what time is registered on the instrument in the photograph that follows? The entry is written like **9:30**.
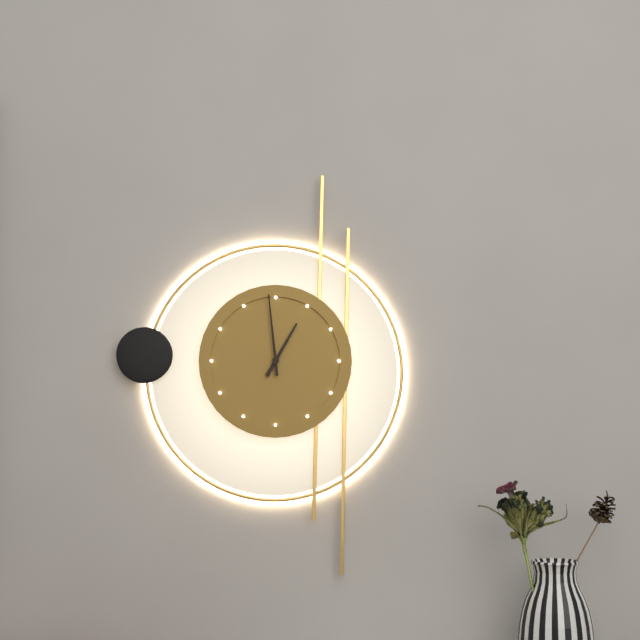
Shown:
**12:59**
